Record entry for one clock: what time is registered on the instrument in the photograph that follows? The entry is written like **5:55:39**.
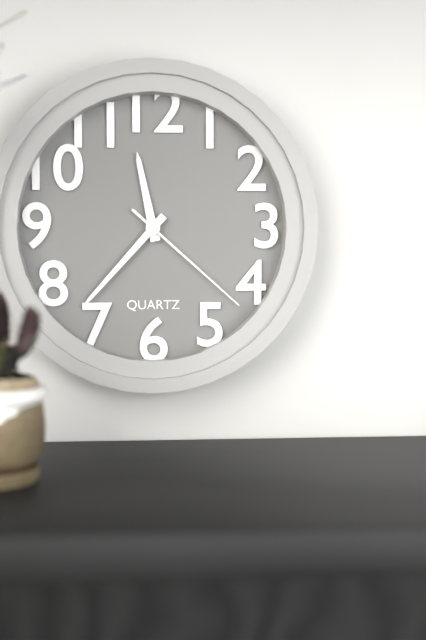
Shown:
**11:37:22**
